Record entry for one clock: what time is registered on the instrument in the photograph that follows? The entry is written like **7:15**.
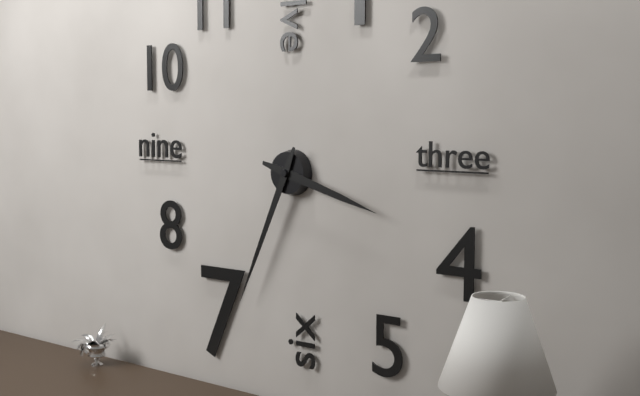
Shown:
**3:34**
